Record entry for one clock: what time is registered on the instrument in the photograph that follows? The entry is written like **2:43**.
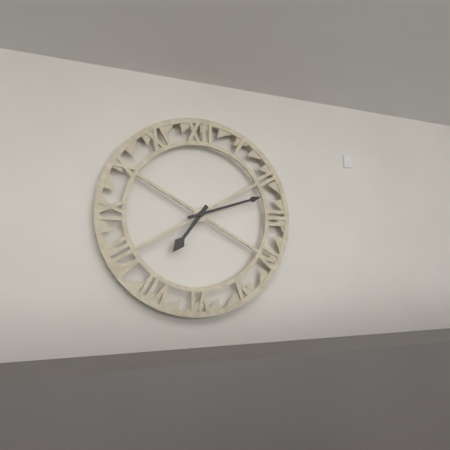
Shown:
**7:12**
